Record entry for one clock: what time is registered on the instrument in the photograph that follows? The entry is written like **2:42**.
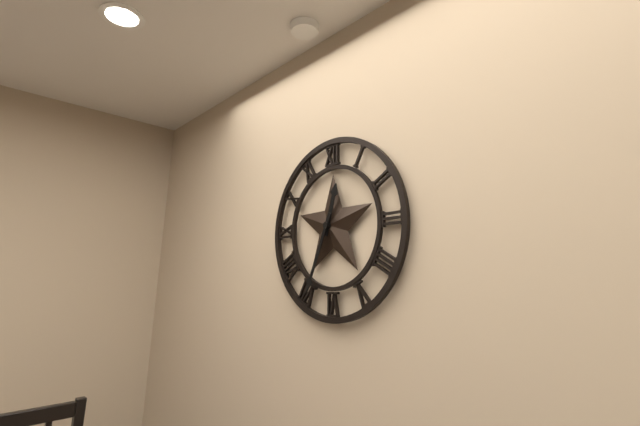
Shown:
**12:34**
